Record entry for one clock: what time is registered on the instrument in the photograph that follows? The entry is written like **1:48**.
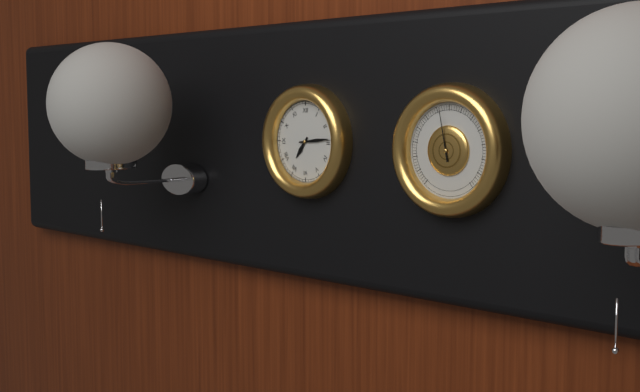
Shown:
**7:14**
